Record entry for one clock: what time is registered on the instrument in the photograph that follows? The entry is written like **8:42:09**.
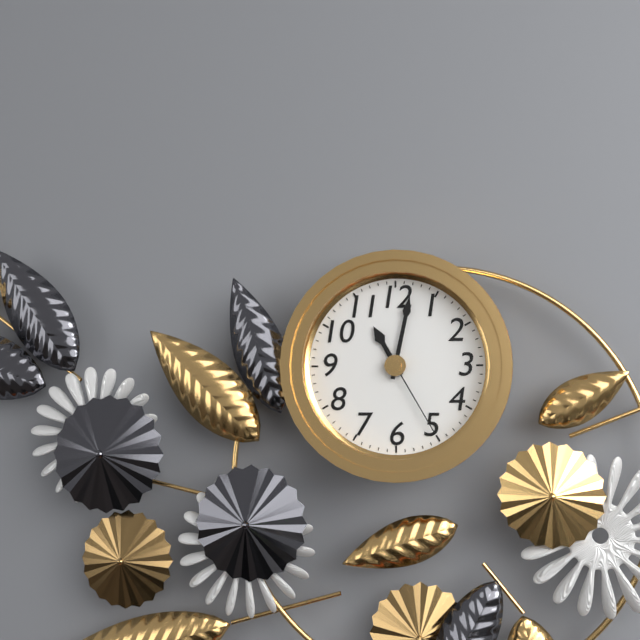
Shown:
**11:02:25**
